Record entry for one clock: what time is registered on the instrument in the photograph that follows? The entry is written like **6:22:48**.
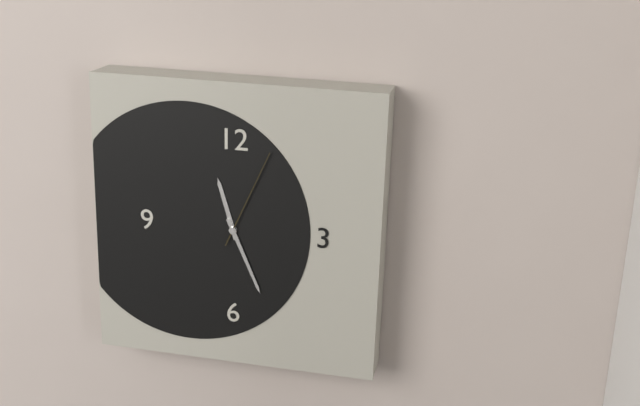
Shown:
**11:26:04**
